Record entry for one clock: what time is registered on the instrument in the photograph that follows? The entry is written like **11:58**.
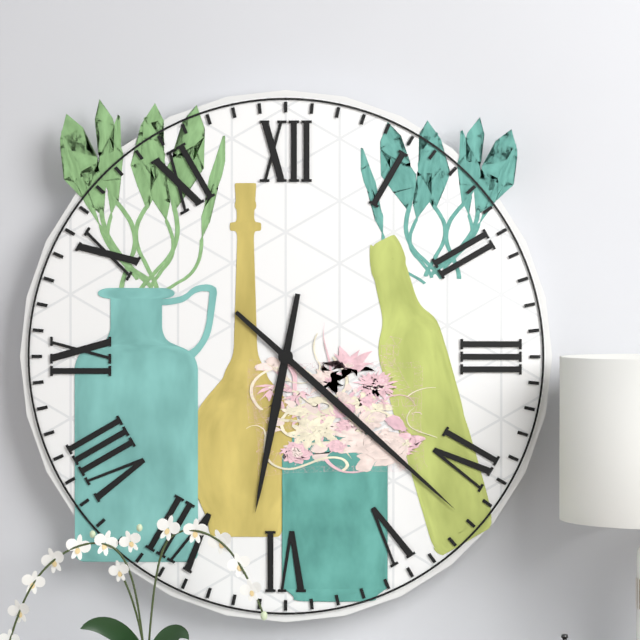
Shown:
**6:22**
